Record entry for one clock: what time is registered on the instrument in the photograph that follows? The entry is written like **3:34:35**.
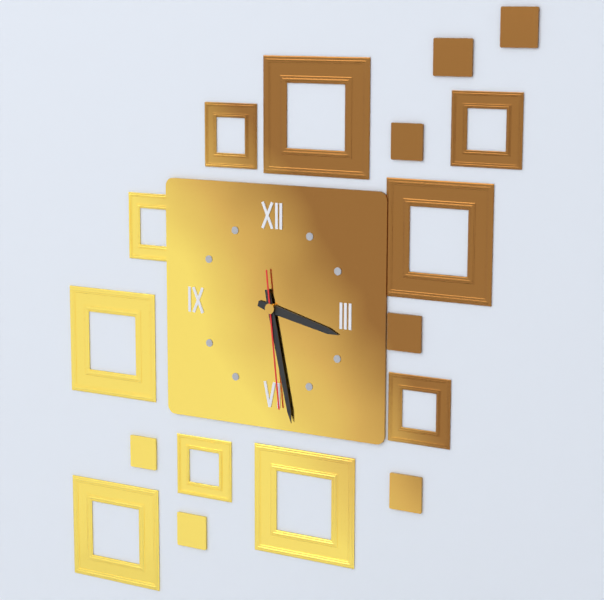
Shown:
**3:28:29**
